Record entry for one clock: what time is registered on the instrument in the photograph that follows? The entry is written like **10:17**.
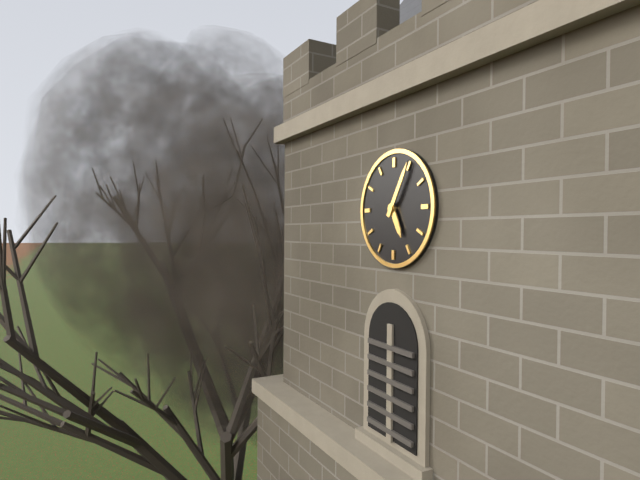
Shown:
**5:05**
